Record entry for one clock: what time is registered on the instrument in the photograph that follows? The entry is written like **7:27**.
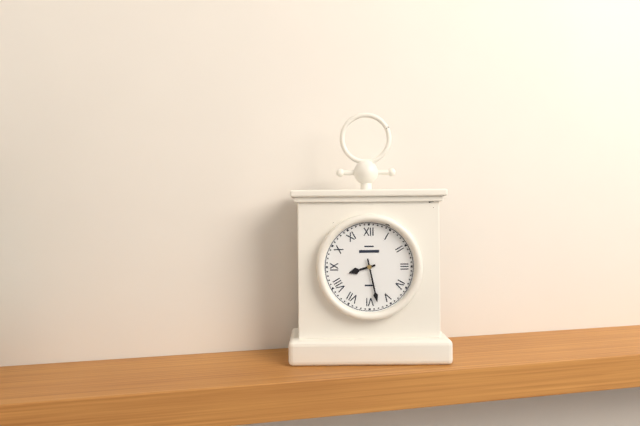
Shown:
**8:28**
